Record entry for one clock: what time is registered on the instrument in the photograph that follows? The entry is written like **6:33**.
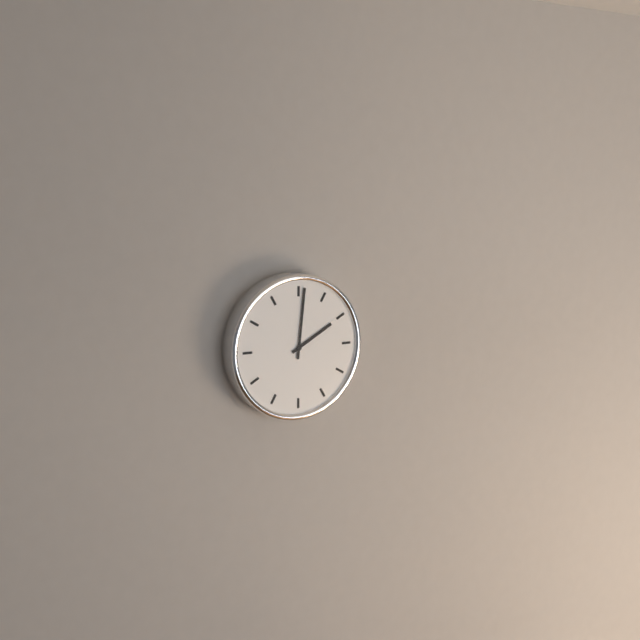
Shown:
**2:01**
